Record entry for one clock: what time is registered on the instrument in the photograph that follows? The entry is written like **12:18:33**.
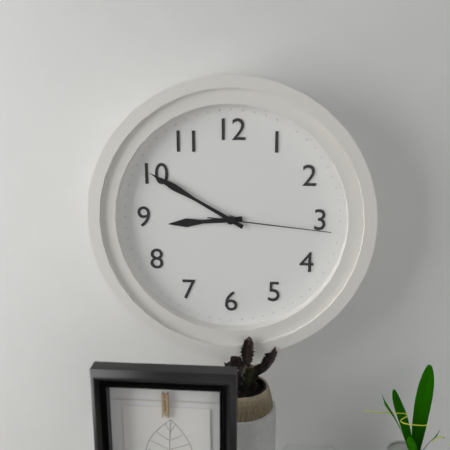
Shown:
**8:50:16**
